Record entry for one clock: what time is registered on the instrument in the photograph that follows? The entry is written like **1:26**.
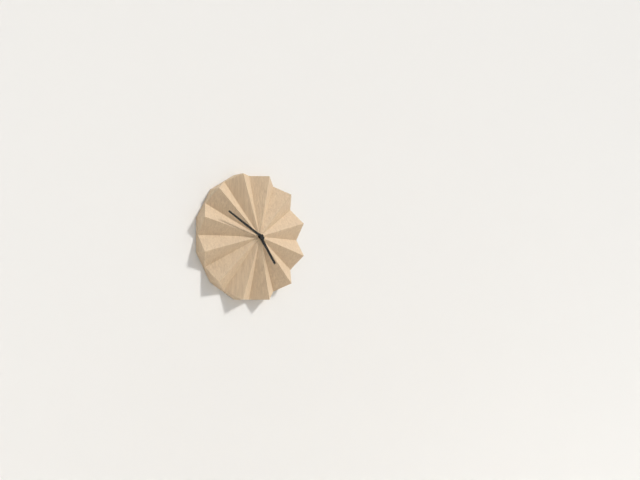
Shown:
**4:50**
